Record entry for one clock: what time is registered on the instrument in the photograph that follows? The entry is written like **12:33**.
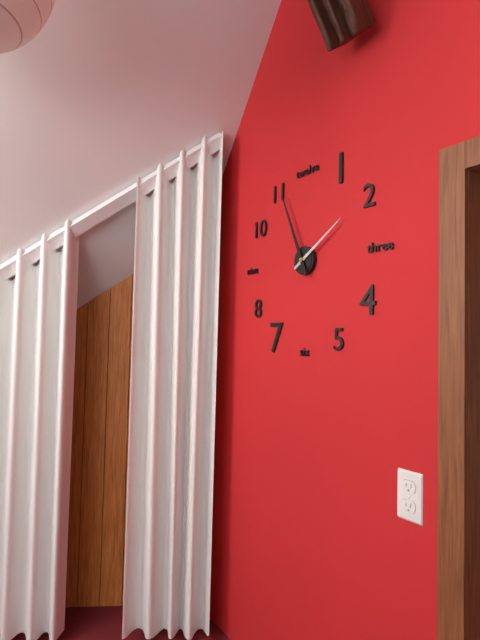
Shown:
**1:56**
